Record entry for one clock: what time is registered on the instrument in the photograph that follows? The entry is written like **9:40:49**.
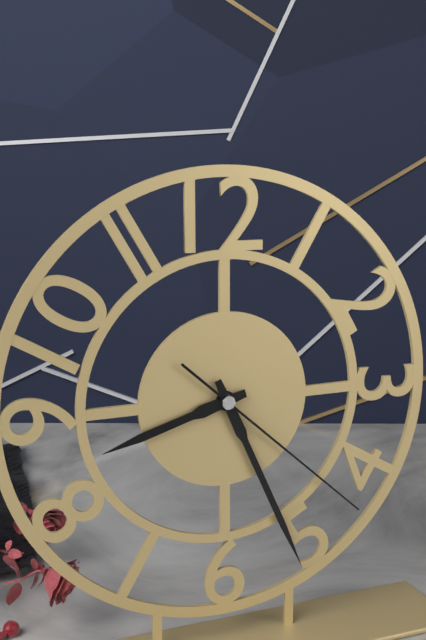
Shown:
**8:26:22**
